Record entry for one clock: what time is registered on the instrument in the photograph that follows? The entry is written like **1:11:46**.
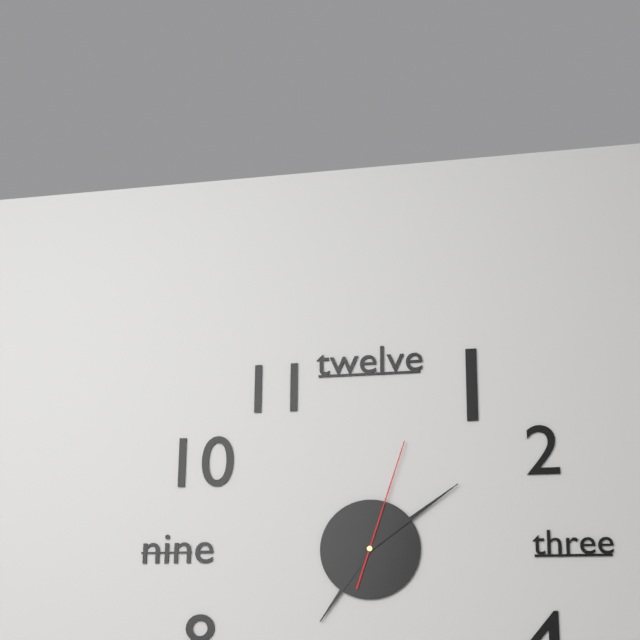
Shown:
**7:09:03**
